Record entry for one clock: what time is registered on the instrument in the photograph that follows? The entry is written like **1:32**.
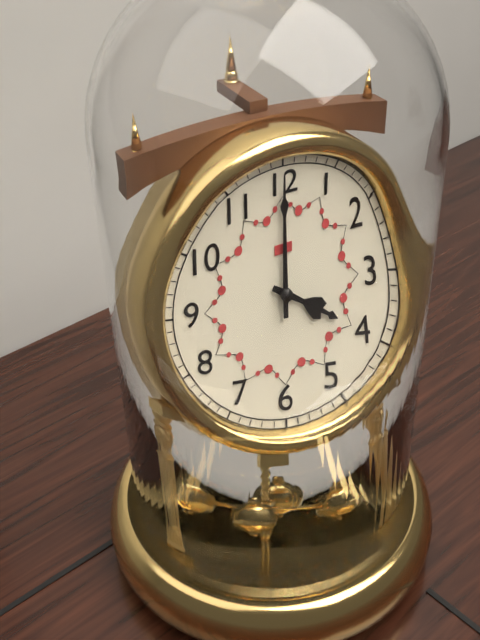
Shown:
**4:00**
